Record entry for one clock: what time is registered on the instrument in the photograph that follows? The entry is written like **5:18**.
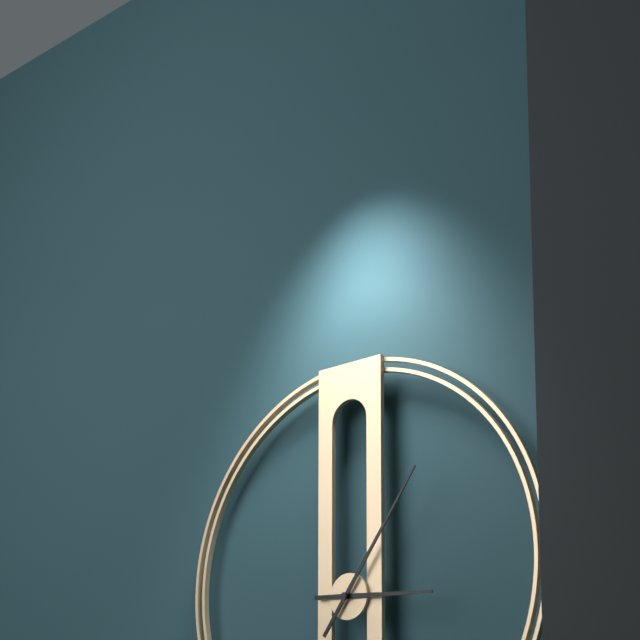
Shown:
**3:06**
